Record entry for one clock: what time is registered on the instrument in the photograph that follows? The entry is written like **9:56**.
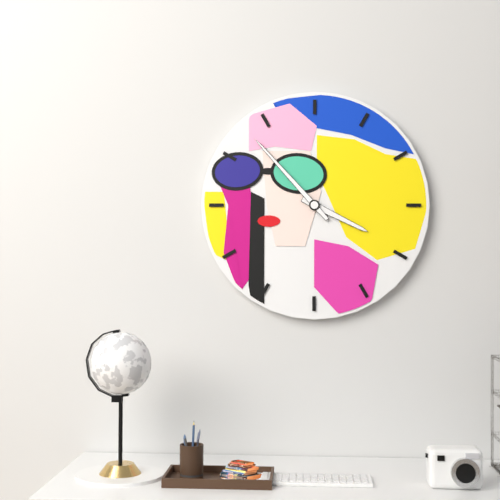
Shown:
**3:53**
